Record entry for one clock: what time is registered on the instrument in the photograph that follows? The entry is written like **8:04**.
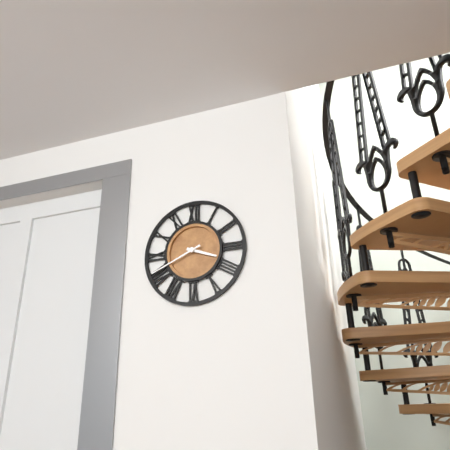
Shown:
**3:41**
